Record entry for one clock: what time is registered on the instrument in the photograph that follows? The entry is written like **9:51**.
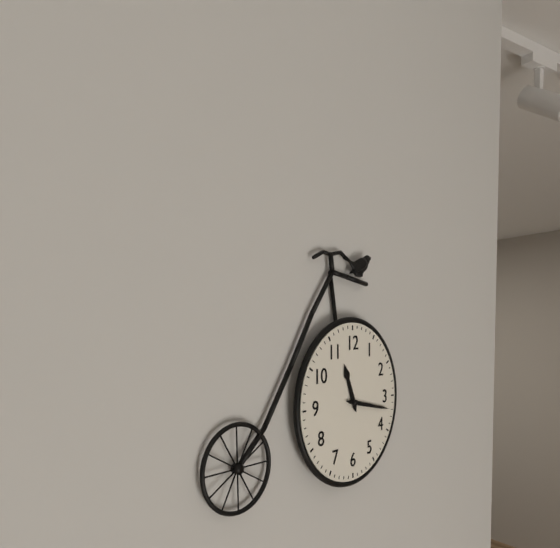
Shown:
**11:17**
